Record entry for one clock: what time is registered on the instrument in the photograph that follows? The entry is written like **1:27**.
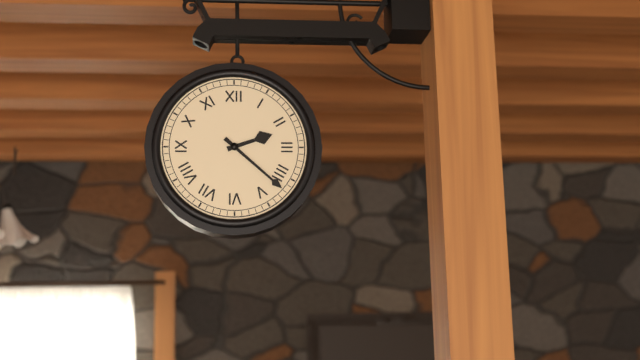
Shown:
**2:22**
